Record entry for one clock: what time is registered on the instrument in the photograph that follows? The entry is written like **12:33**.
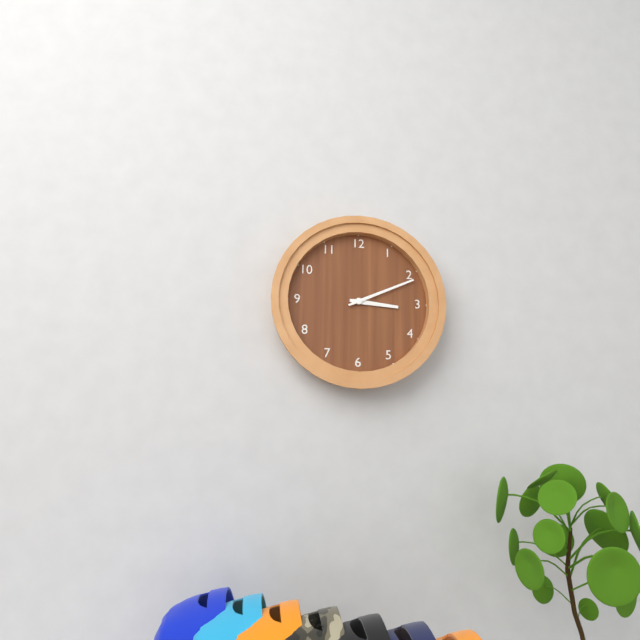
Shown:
**3:11**
